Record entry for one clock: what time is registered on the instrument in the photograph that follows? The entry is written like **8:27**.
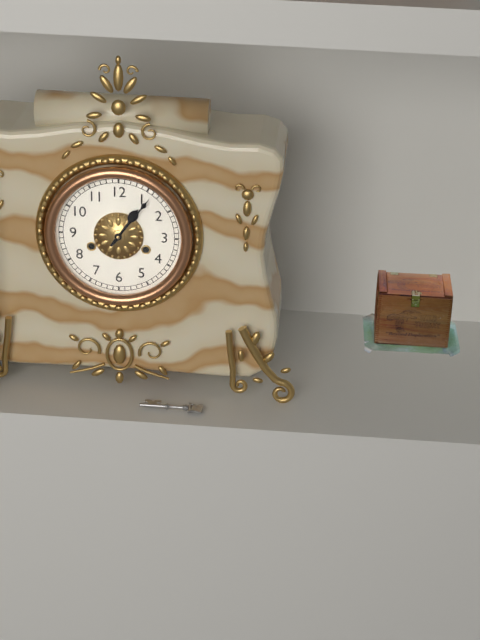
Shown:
**1:06**
